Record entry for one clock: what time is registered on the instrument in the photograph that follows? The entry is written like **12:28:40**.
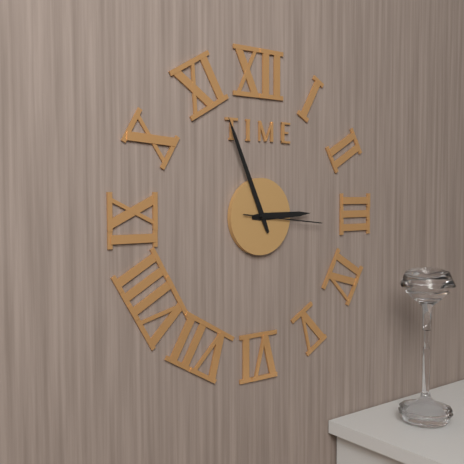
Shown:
**2:56:16**
